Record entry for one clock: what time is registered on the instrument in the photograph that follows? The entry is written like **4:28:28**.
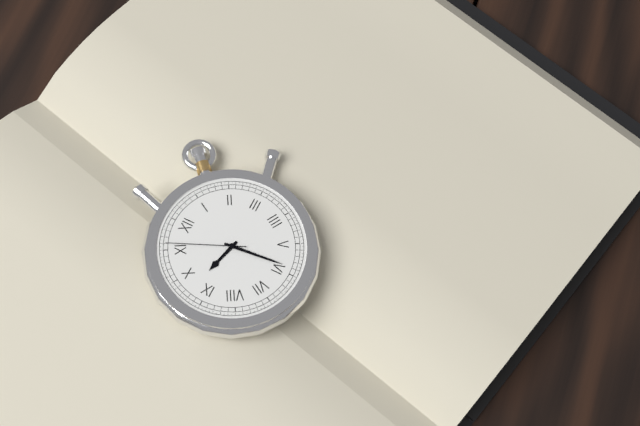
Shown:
**9:29:56**
